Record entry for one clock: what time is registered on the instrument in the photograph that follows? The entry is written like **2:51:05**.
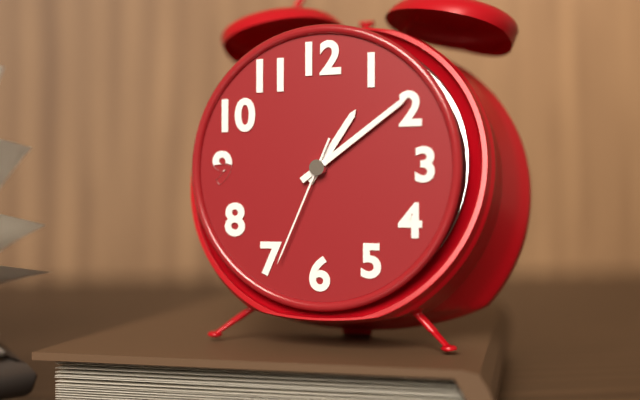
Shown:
**1:09:34**
